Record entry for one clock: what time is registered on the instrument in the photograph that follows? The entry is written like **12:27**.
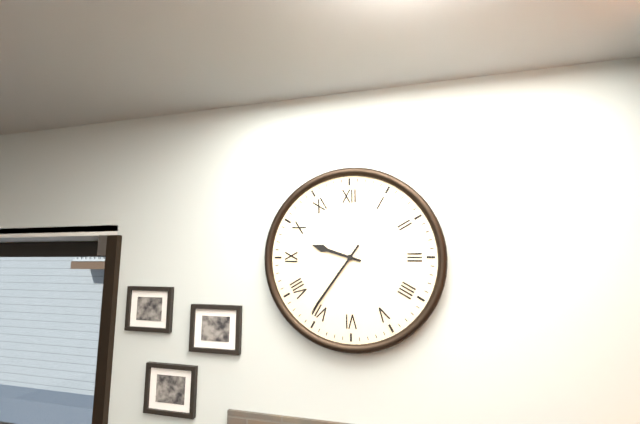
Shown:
**9:36**
